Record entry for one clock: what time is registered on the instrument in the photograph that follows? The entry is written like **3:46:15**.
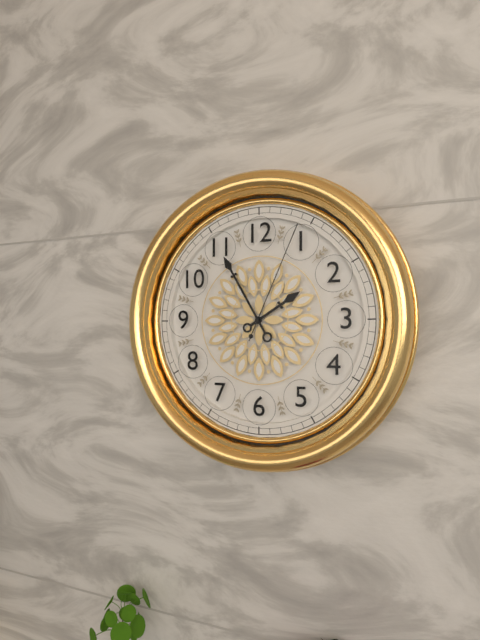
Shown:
**1:55:04**
